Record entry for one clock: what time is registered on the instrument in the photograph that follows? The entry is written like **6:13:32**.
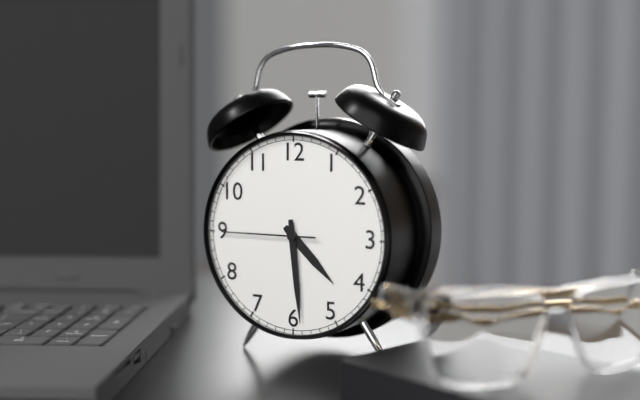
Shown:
**4:29:45**
